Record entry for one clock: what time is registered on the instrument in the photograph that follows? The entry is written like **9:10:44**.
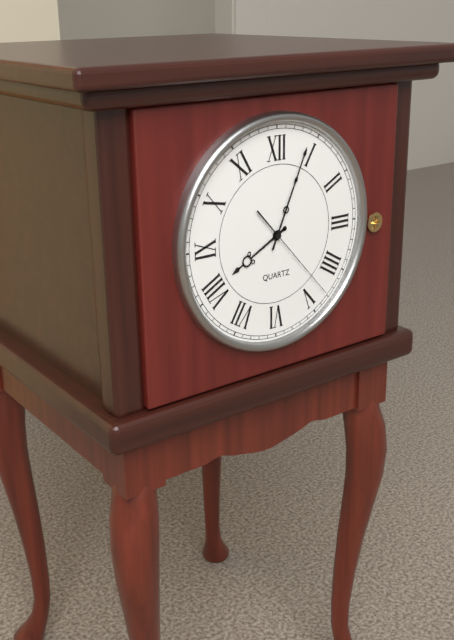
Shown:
**8:04:23**
